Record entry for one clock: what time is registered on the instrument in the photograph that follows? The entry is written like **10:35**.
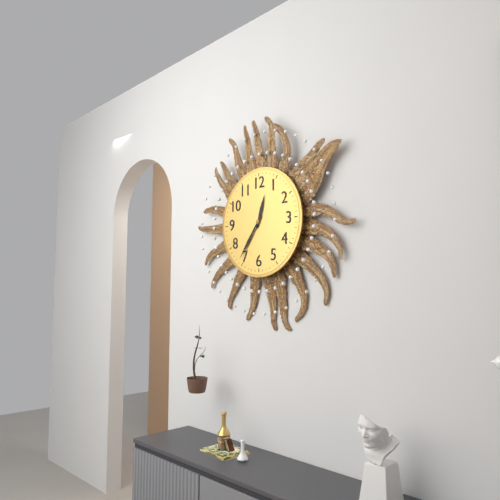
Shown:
**12:36**
